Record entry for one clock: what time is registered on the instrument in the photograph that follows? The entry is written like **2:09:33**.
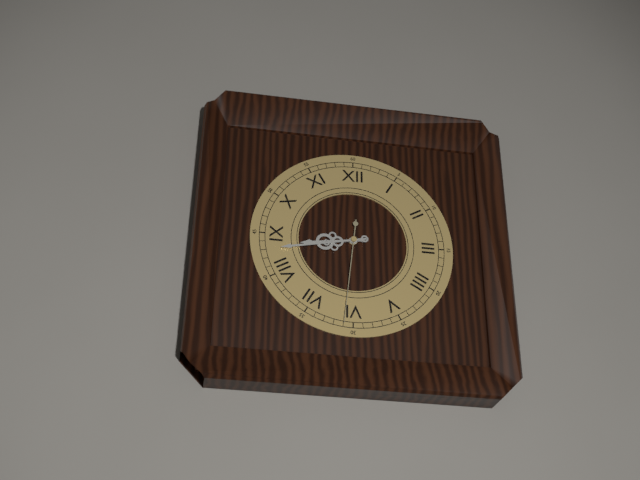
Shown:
**8:43:31**
